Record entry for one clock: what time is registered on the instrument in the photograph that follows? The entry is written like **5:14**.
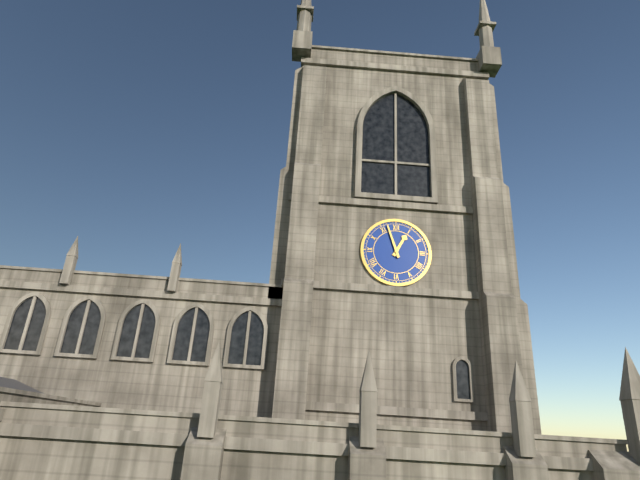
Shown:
**12:57**
